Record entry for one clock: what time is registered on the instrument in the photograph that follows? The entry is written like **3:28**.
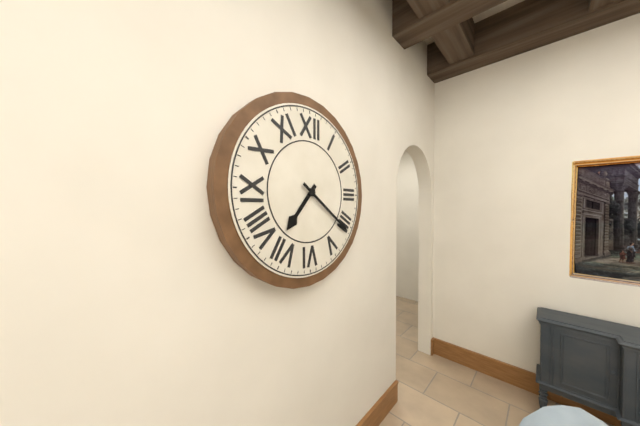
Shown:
**7:21**
